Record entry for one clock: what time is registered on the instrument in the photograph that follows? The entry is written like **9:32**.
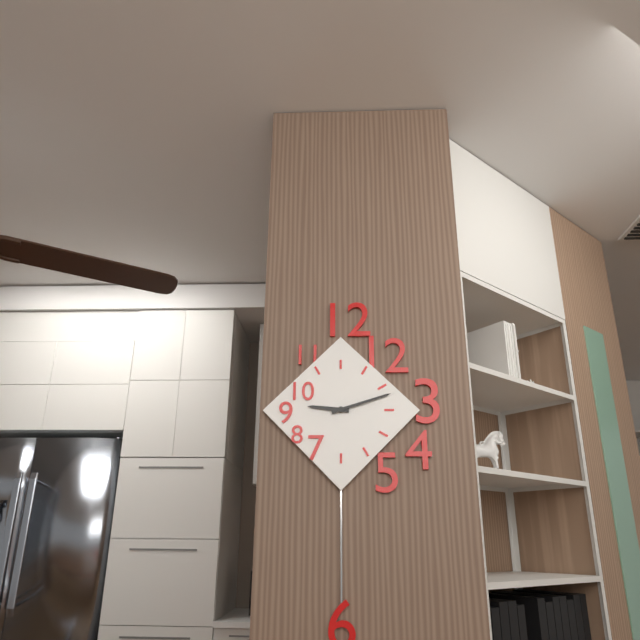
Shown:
**9:12**
